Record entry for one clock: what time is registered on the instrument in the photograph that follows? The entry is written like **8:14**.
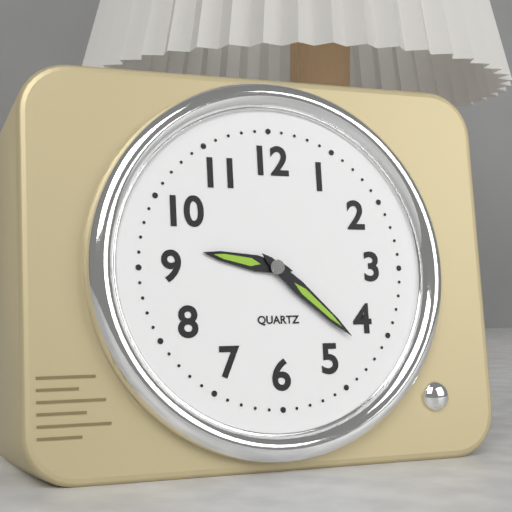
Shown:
**9:22**
